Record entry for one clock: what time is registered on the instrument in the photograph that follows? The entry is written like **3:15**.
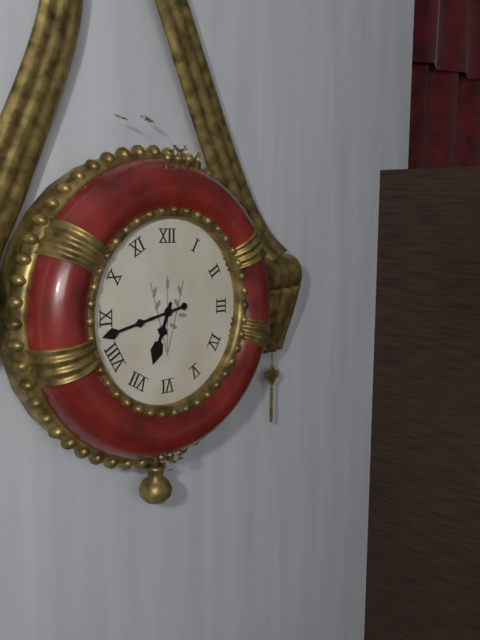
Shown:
**6:43**
